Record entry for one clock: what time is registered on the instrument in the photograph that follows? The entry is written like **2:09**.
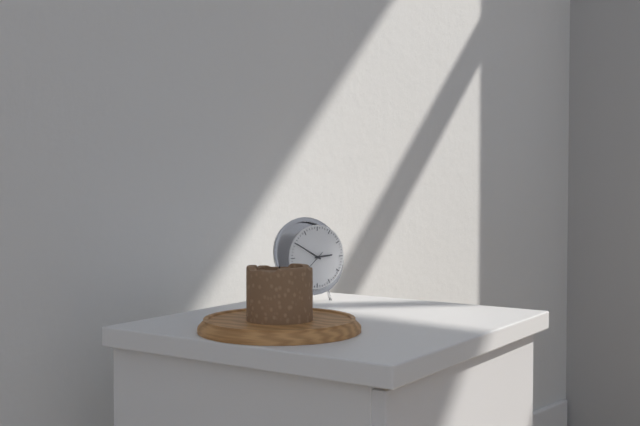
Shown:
**2:50**
